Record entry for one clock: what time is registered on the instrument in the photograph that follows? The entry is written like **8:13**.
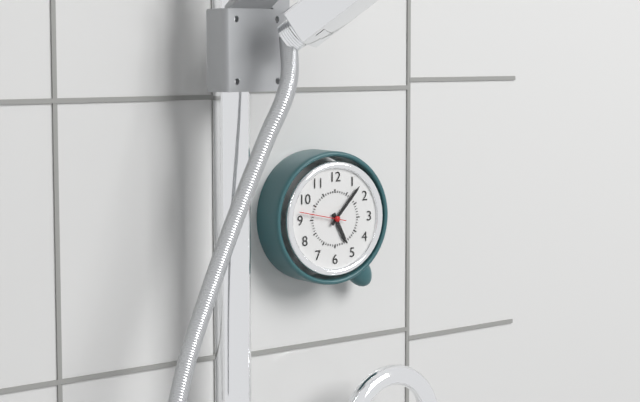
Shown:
**5:07**
